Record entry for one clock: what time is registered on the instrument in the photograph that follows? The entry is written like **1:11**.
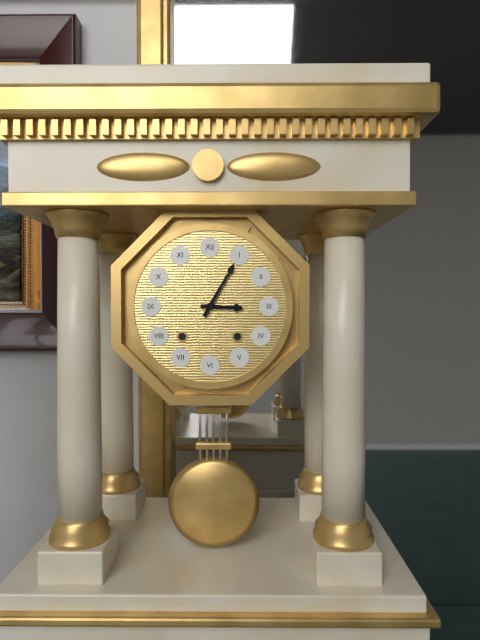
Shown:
**3:05**
